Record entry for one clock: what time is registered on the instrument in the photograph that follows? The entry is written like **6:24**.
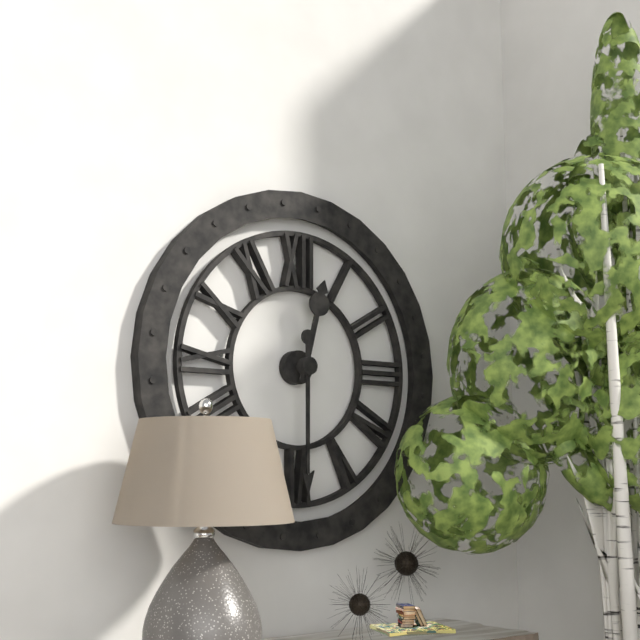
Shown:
**12:30**
